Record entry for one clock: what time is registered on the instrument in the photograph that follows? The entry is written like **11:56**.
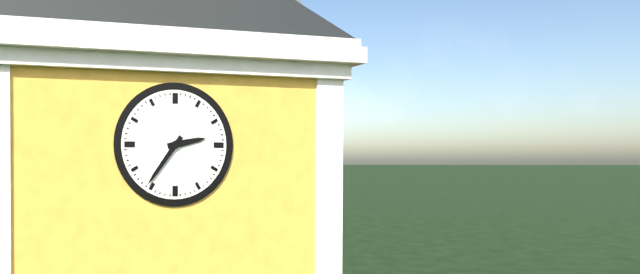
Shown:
**2:36**
